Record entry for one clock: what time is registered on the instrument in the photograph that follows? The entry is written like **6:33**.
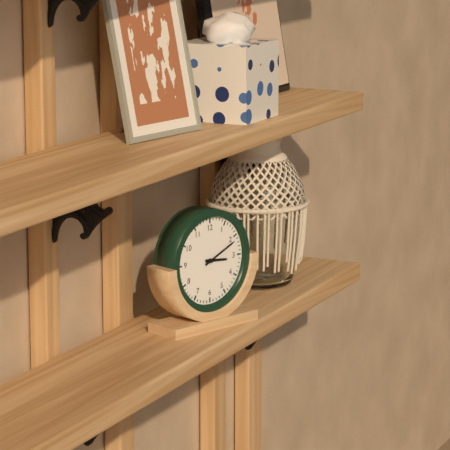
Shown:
**3:11**
